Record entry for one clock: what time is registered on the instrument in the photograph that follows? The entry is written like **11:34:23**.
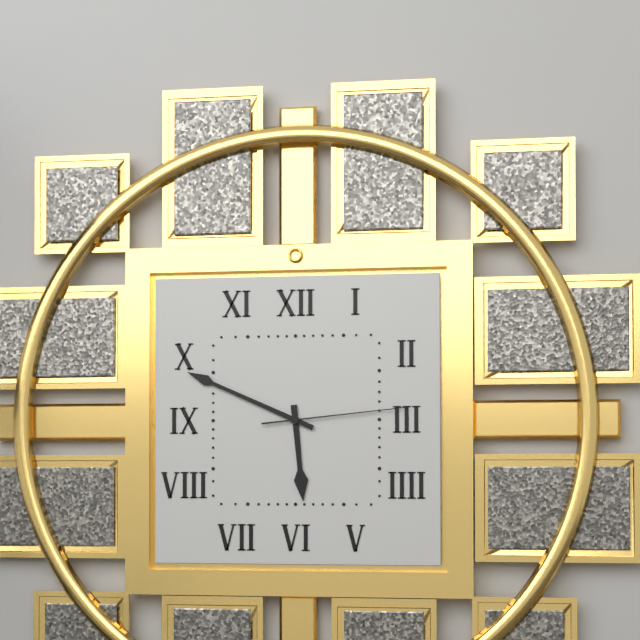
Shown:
**5:49:14**
